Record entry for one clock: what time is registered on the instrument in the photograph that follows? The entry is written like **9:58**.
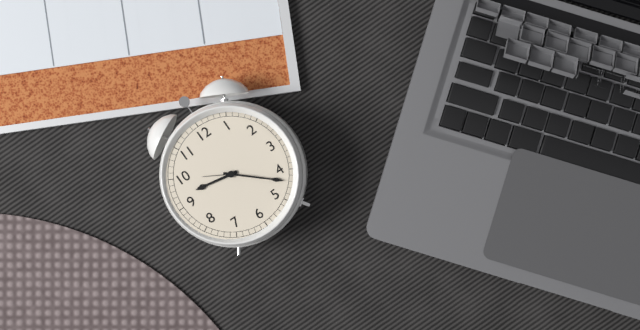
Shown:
**9:22**
